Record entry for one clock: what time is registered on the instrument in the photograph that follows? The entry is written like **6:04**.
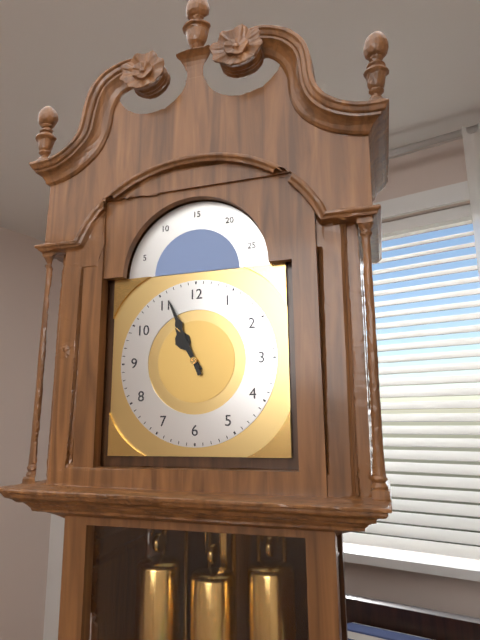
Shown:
**10:56**
